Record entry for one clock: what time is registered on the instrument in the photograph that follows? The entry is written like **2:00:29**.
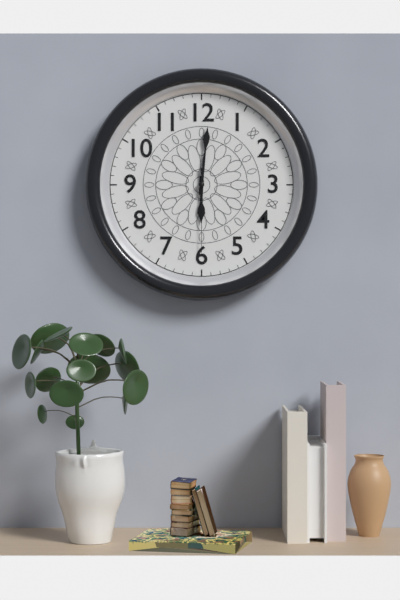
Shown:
**6:01:30**
